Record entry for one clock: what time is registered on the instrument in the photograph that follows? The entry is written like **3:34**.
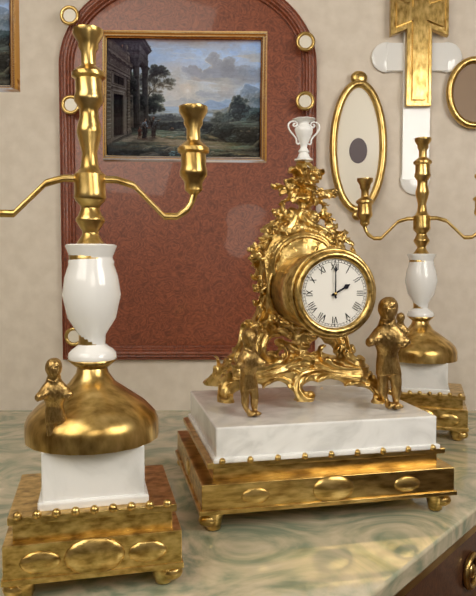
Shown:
**2:00**
